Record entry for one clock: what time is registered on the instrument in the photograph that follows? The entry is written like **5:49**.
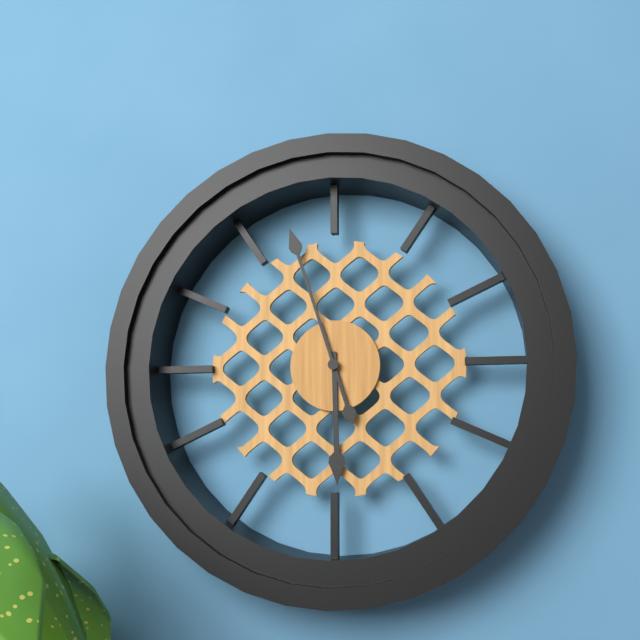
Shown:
**5:57**
